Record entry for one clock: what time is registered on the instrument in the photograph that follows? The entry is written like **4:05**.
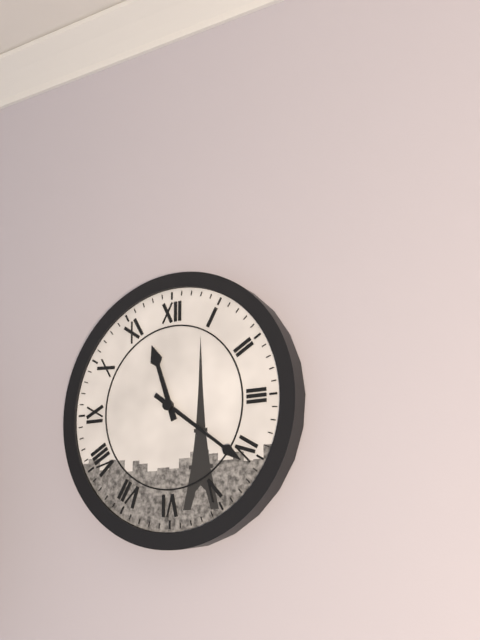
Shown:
**11:21**
